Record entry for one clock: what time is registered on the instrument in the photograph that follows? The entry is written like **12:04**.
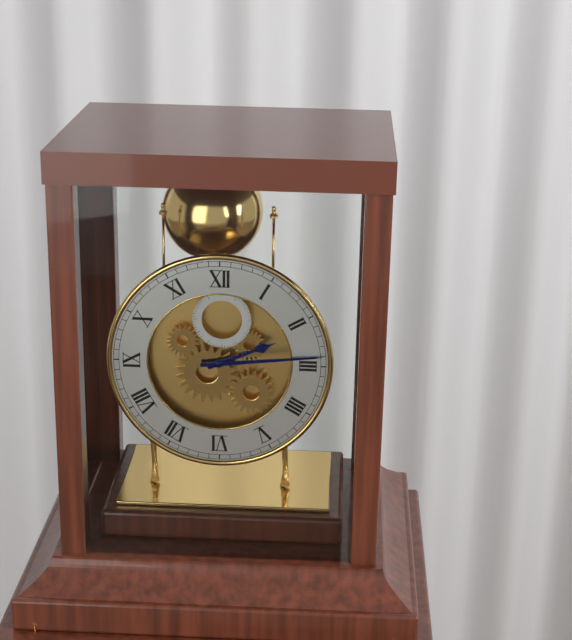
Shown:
**2:14**
